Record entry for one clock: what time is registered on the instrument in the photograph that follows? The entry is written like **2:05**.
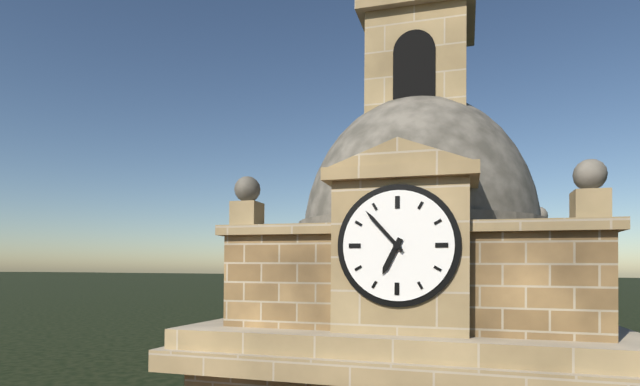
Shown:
**6:53**
